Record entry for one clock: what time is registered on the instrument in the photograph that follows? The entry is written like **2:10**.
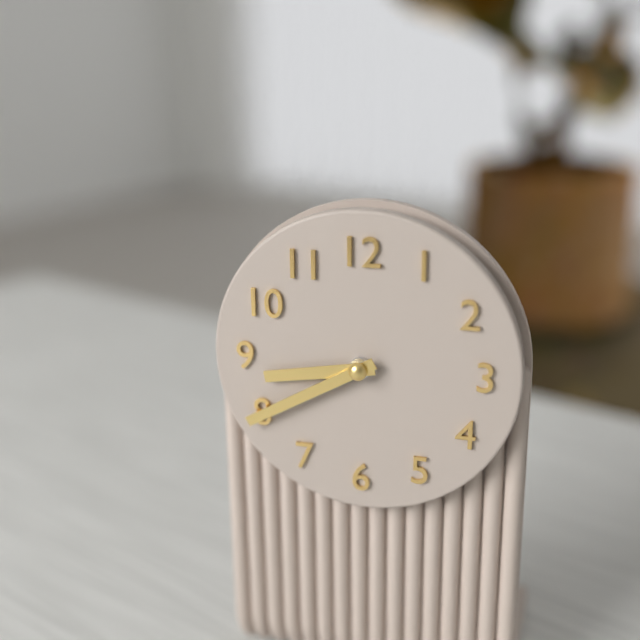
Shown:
**8:40**
